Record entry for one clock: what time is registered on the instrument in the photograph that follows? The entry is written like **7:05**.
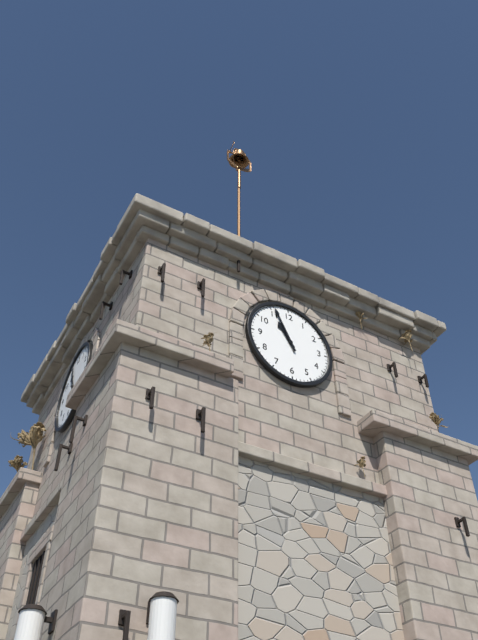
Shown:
**10:56**
